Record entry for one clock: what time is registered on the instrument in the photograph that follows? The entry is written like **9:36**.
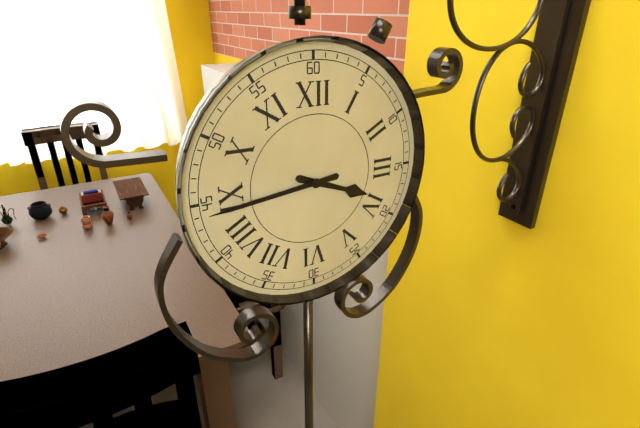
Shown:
**3:44**
